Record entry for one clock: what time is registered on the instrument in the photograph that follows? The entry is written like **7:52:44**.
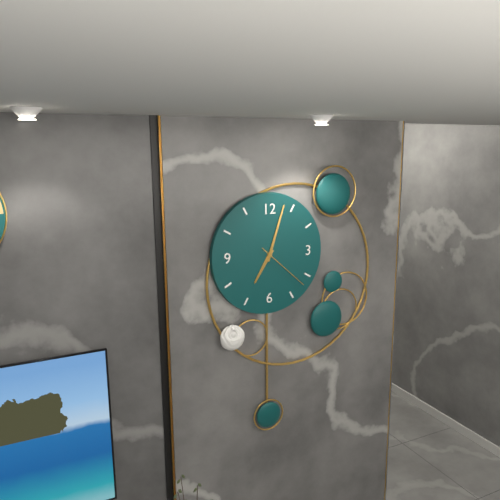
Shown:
**7:03:22**
